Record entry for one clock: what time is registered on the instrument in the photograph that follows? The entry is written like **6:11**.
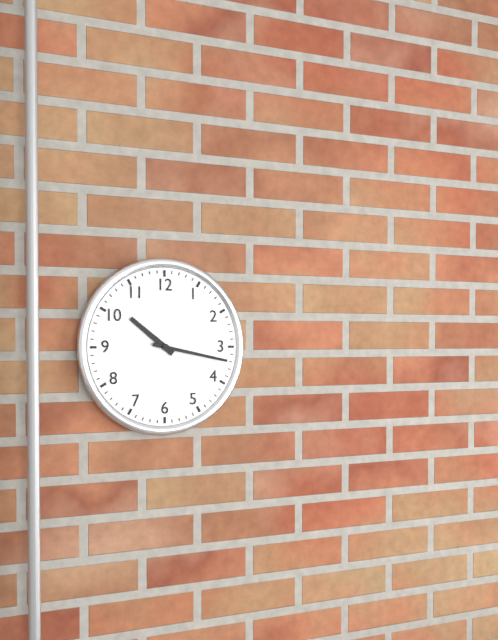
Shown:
**10:17**
